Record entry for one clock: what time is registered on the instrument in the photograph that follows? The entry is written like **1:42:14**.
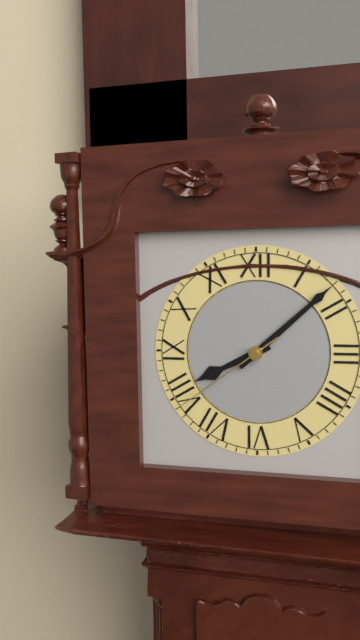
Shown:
**8:08:39**
